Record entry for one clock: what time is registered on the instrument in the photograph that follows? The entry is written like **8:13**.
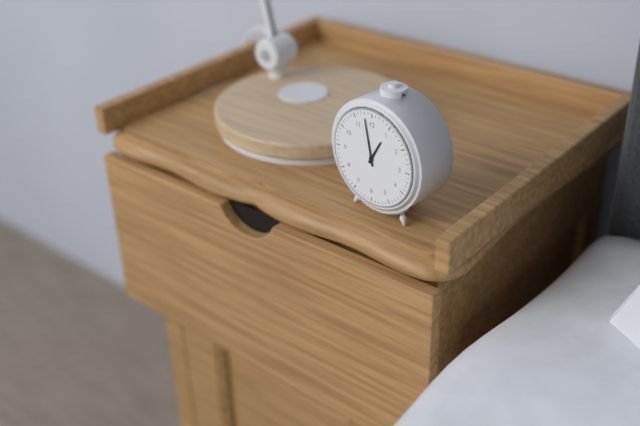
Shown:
**12:58**
